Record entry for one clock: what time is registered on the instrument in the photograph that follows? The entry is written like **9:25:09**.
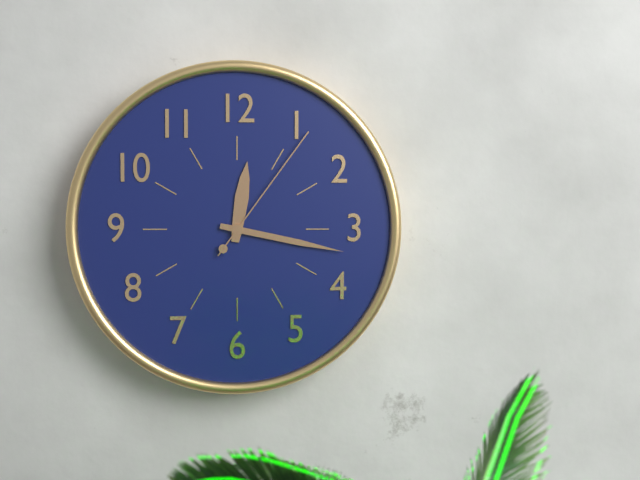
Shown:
**12:17:06**
